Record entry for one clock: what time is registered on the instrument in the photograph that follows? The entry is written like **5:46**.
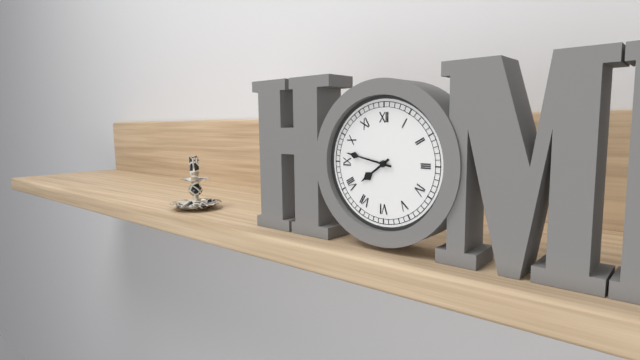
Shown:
**7:47**
